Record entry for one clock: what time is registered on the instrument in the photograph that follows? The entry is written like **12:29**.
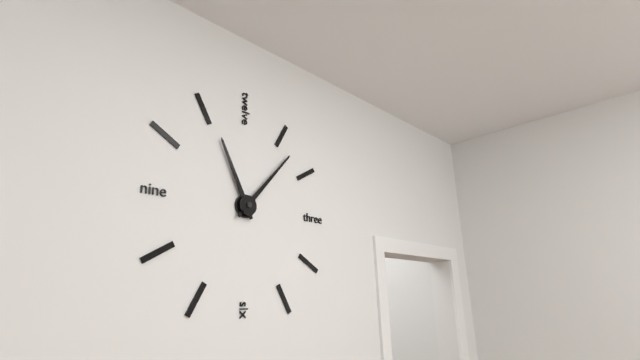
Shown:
**11:07**
